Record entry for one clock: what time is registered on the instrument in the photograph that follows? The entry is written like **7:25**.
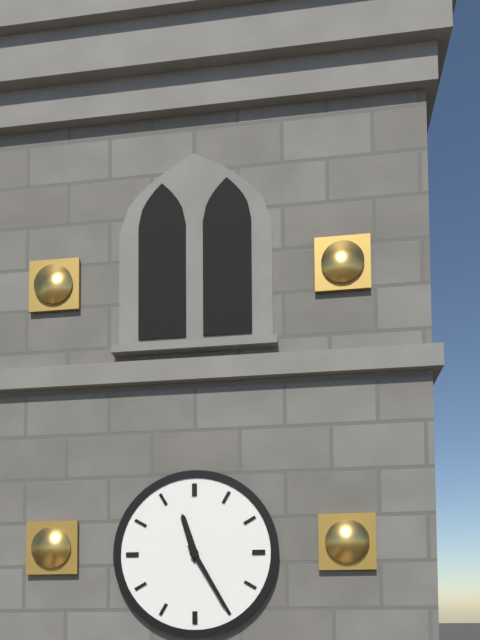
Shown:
**11:25**
